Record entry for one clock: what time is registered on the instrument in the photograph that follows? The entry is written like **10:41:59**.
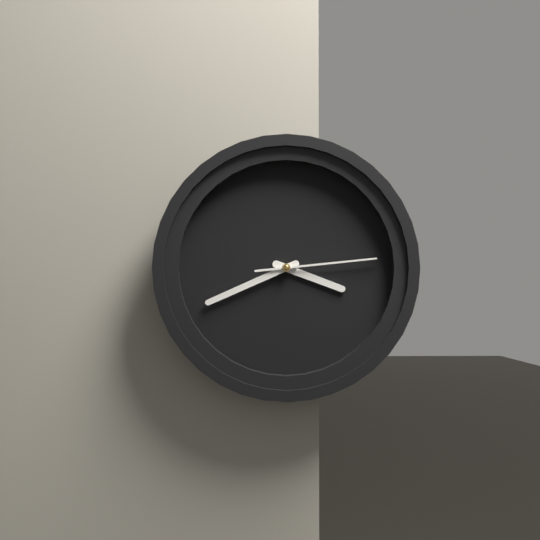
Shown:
**3:41:14**
